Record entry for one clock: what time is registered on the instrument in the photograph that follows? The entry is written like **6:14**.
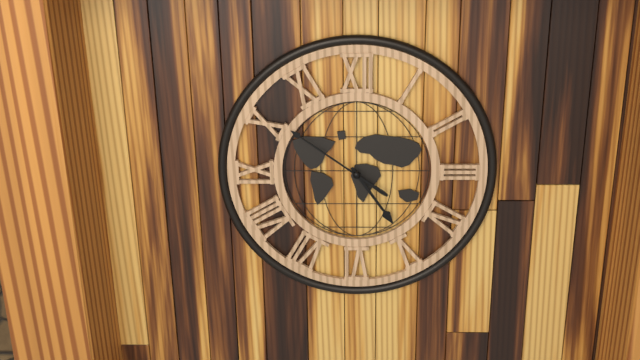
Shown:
**4:51**
